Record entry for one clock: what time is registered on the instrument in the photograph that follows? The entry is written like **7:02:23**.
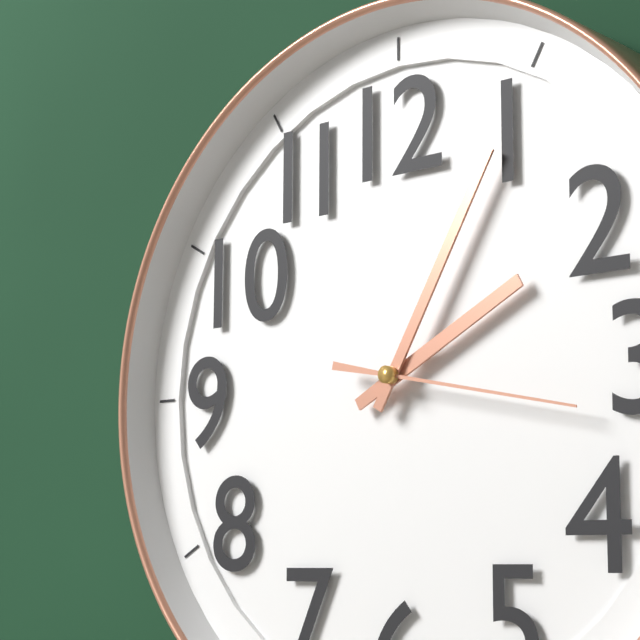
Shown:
**2:05:17**
